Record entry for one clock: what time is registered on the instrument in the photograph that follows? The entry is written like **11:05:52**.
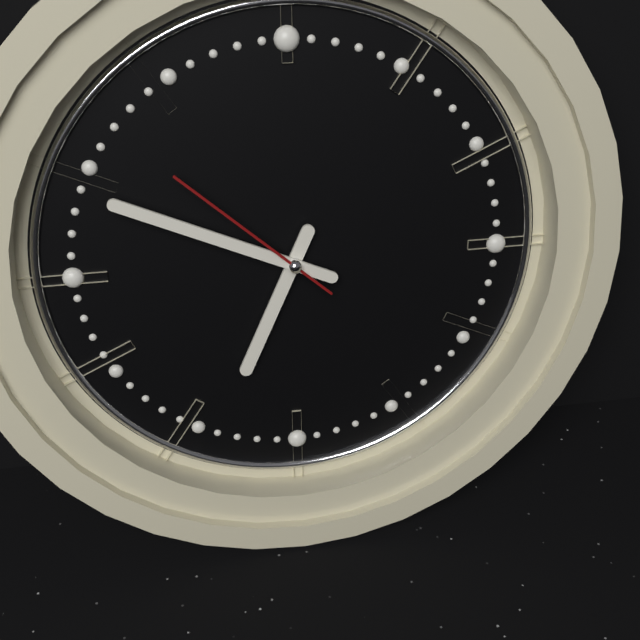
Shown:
**6:49:52**
